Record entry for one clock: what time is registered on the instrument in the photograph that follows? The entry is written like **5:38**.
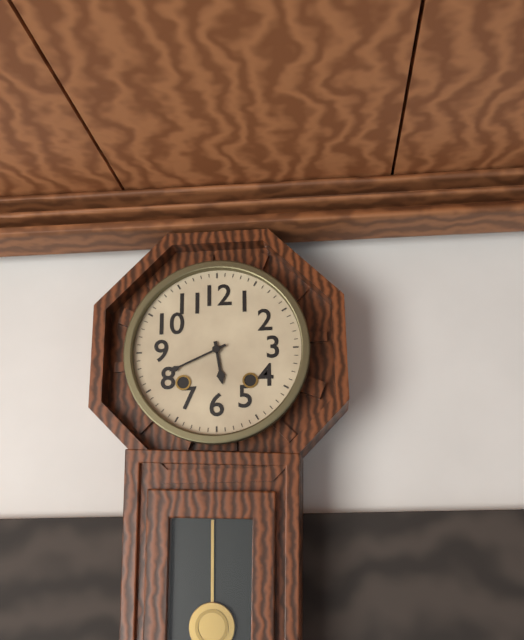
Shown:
**5:41**
